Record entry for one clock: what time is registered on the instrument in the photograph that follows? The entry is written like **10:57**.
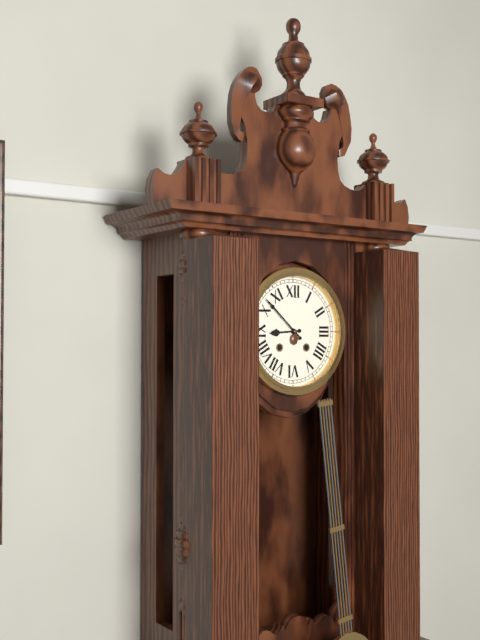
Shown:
**8:52**
